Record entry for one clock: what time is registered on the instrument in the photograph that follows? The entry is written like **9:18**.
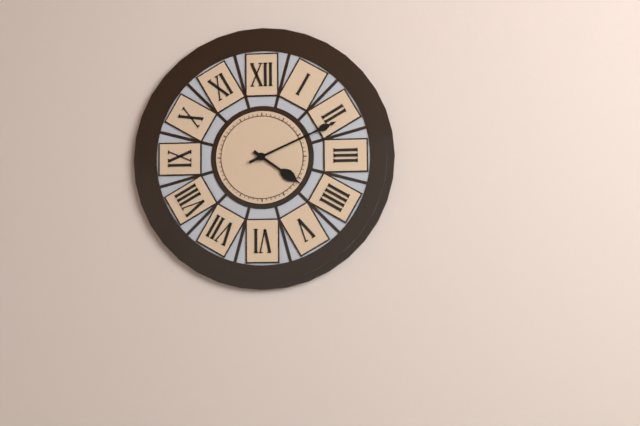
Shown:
**4:11**
